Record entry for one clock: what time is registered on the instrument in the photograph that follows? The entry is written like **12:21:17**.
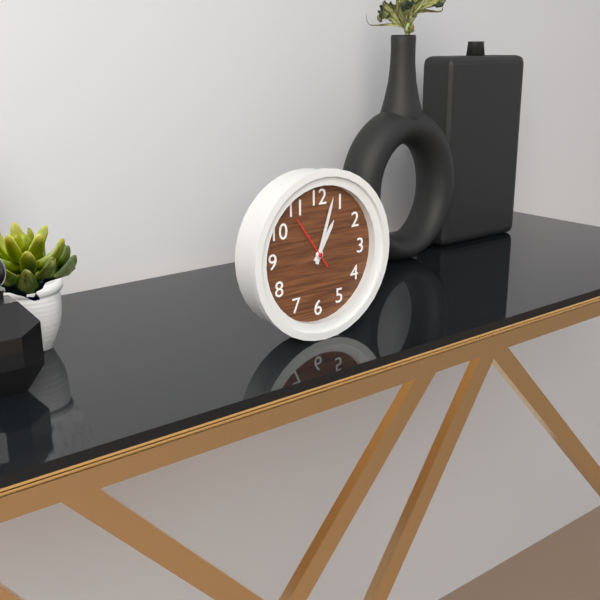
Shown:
**1:03:54**
